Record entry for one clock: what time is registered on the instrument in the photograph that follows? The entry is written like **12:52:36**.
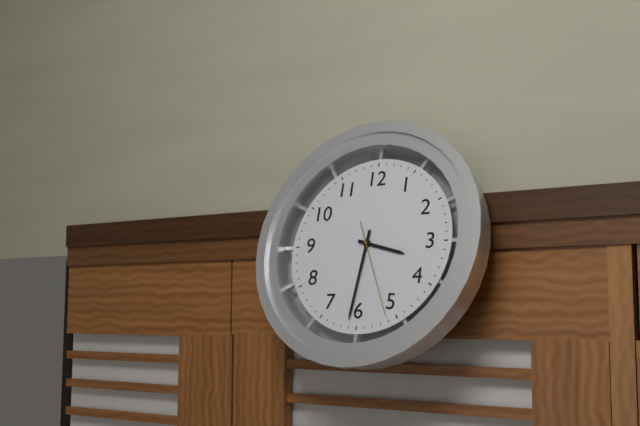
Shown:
**3:31:26**
